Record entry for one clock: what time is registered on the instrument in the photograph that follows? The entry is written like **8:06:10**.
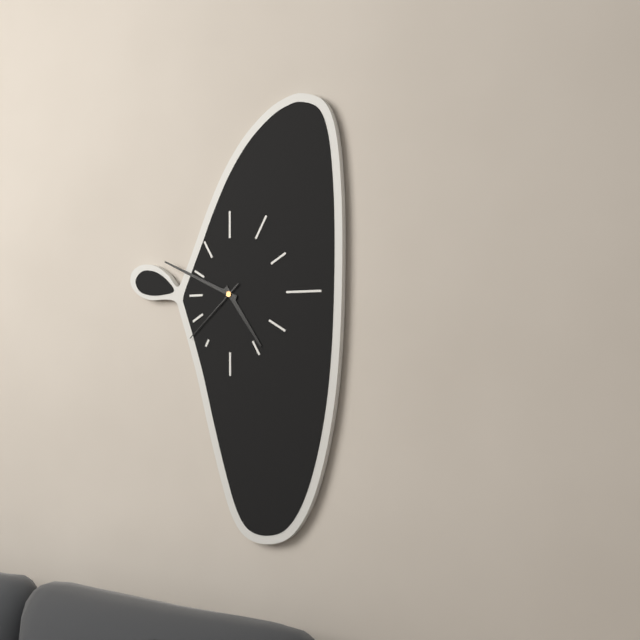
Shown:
**4:49:38**
